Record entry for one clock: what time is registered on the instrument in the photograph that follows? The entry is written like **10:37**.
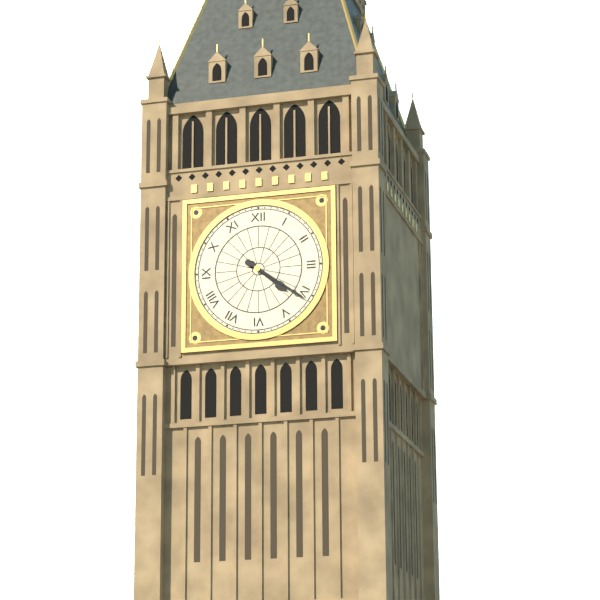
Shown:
**4:21**
